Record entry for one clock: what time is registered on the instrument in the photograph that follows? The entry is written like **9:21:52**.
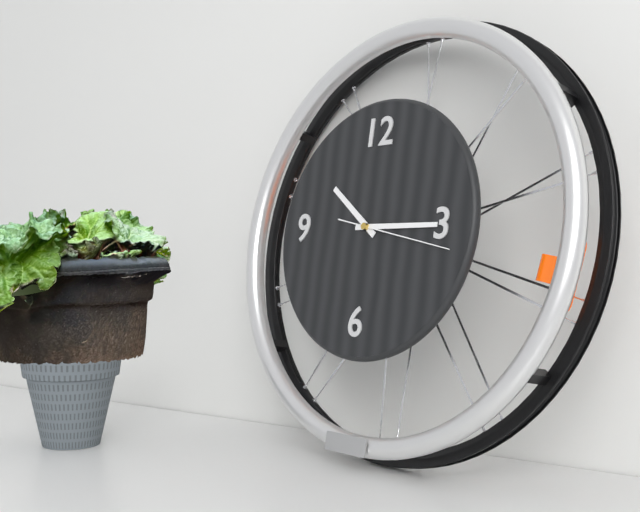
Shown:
**10:15:17**
